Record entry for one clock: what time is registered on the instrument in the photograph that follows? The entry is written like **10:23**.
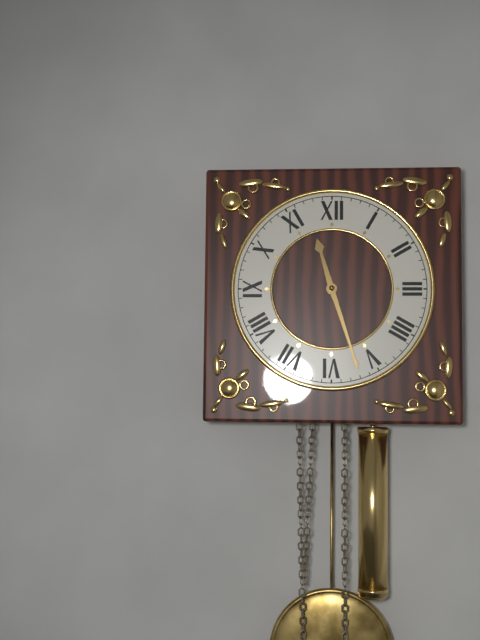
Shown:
**11:27**
